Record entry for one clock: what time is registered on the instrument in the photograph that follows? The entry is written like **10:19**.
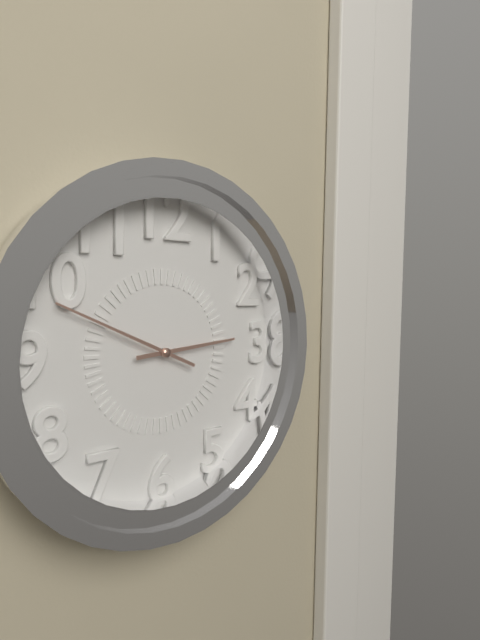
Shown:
**2:49**
